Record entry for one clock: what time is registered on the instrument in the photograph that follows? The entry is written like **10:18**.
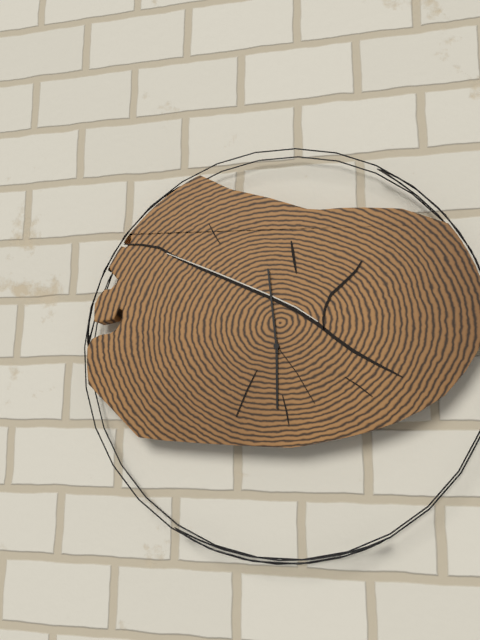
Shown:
**5:59**
